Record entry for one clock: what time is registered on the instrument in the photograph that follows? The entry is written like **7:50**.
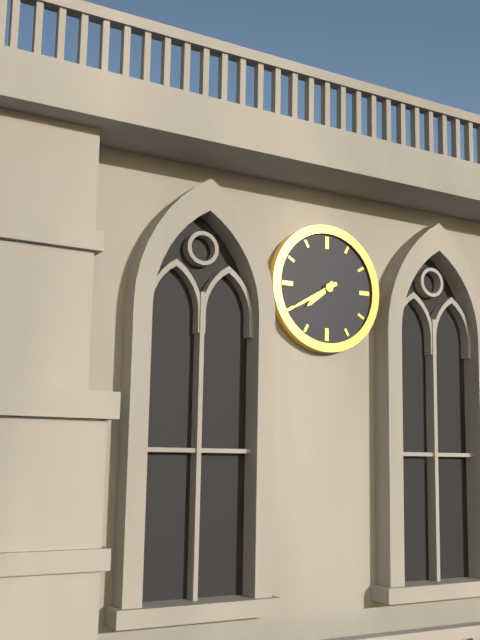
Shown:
**7:40**
